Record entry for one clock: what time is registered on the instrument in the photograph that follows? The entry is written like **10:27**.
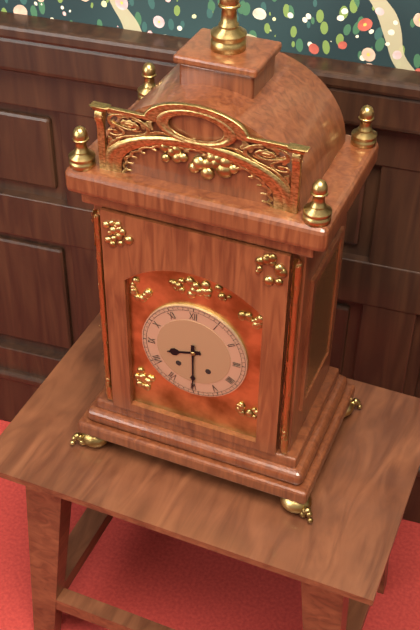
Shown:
**8:30**
